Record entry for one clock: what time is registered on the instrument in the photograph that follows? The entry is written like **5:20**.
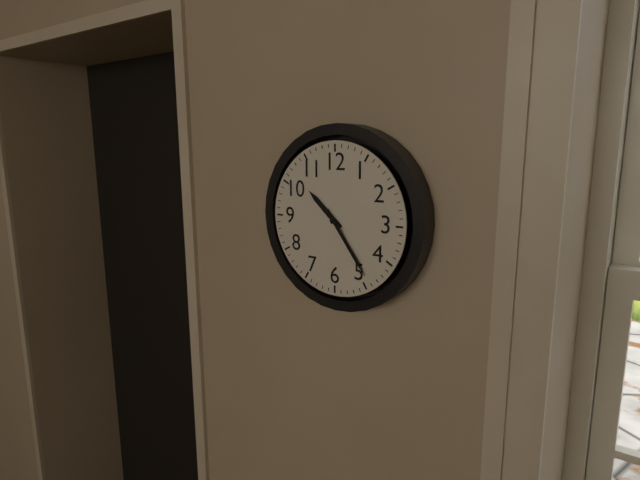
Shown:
**10:24**
